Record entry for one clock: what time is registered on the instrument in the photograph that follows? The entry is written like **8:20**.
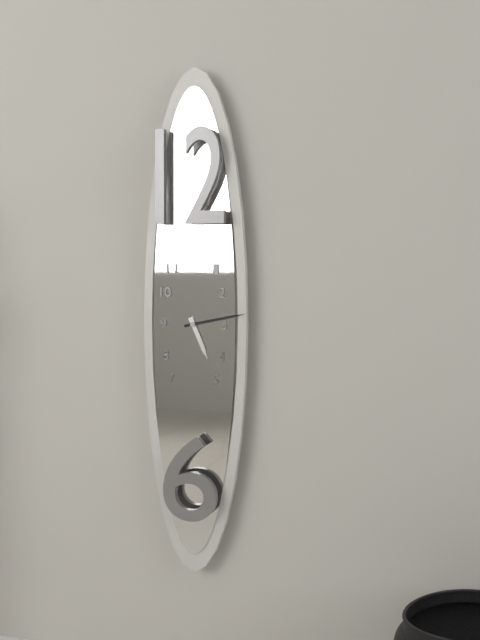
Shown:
**5:13**
